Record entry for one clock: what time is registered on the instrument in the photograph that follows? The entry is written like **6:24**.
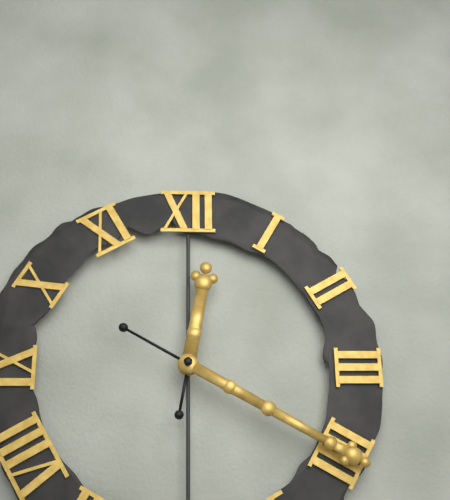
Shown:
**12:20**
